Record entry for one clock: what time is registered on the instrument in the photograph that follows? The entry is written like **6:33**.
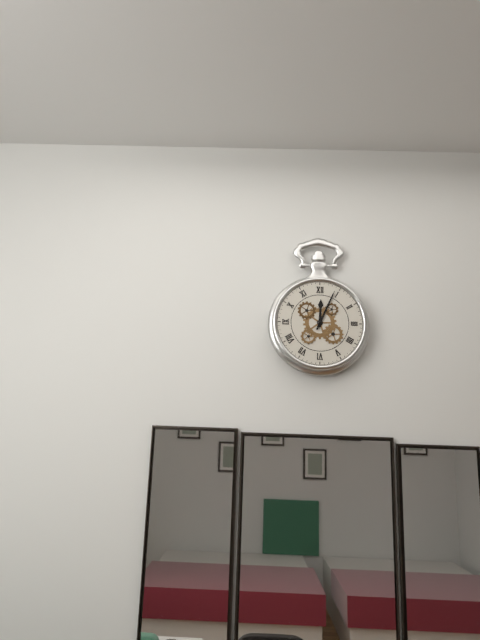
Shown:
**12:04**
